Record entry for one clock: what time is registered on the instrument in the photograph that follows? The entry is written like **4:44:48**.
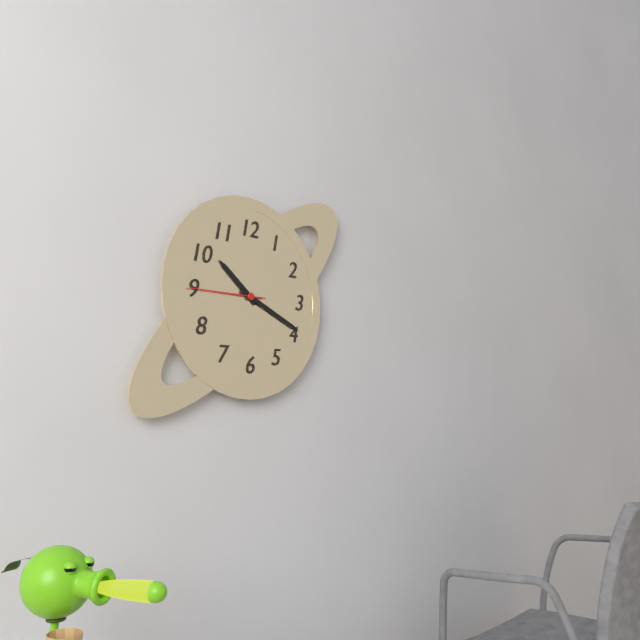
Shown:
**10:19:45**
